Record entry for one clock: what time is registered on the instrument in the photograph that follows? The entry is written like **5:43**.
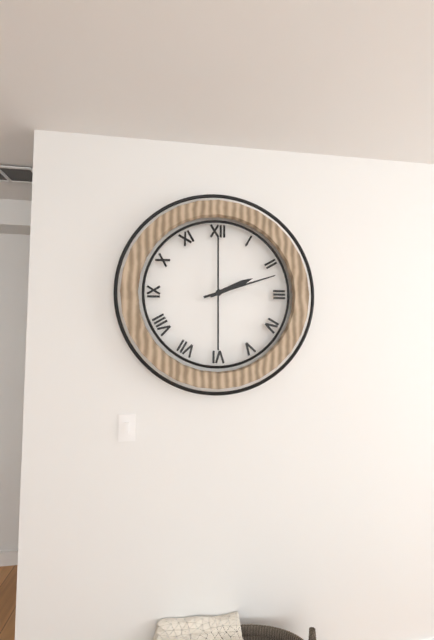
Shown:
**2:12**
